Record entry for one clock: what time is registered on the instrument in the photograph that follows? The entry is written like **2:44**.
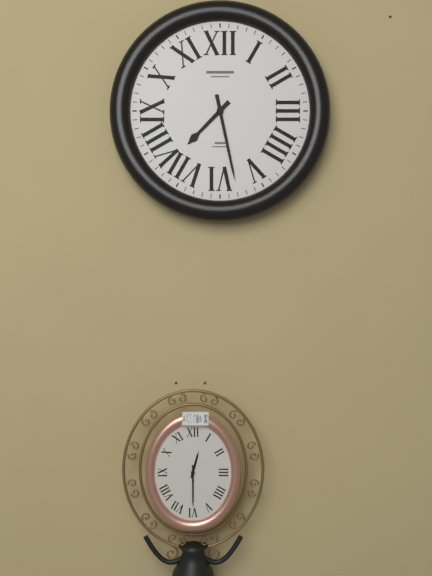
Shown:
**7:28**
